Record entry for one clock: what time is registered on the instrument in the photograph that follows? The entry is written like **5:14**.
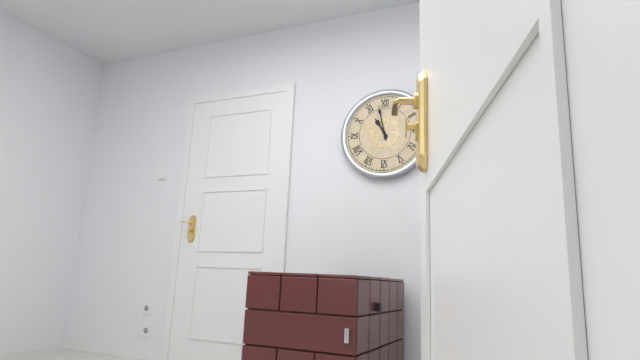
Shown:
**10:58**
